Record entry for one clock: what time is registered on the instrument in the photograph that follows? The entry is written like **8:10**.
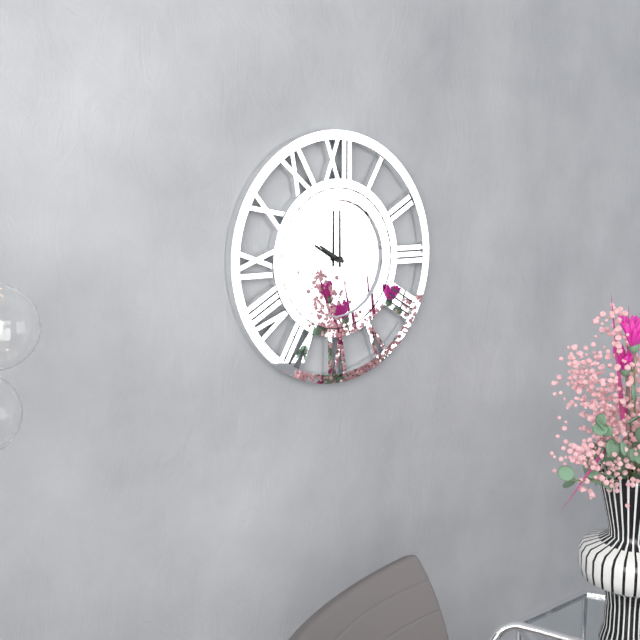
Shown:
**10:00**
